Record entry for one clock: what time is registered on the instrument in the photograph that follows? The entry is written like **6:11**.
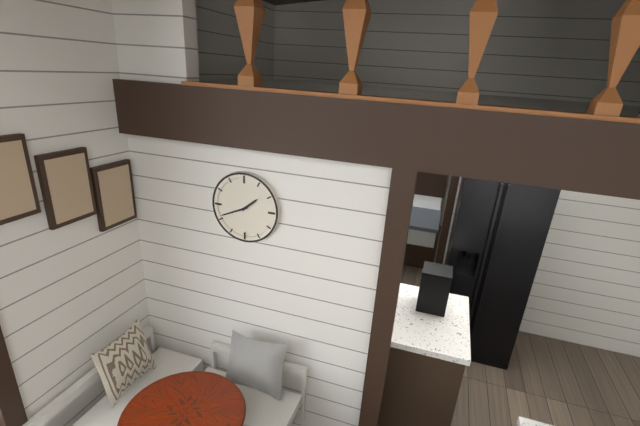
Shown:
**1:41**
